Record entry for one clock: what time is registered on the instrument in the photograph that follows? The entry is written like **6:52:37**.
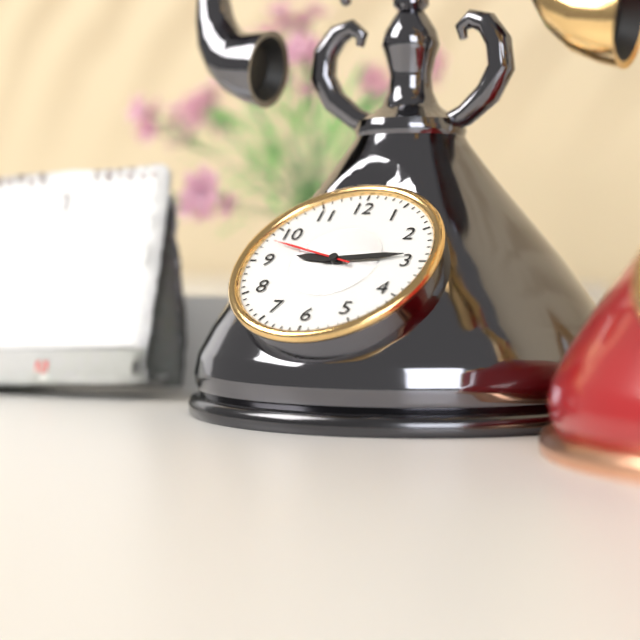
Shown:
**9:14:48**
